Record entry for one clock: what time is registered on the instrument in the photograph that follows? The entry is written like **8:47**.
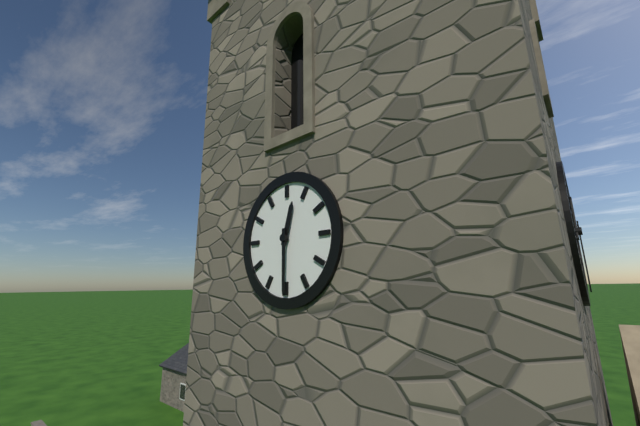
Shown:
**12:30**
